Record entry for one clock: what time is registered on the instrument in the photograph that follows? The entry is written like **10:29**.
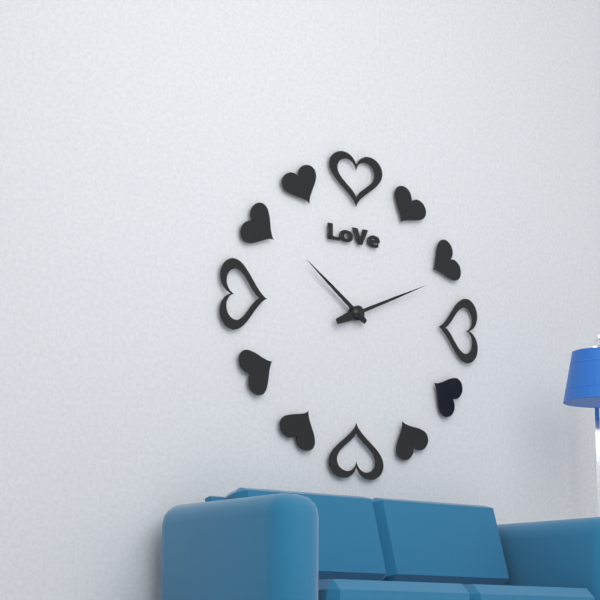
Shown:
**10:11**
